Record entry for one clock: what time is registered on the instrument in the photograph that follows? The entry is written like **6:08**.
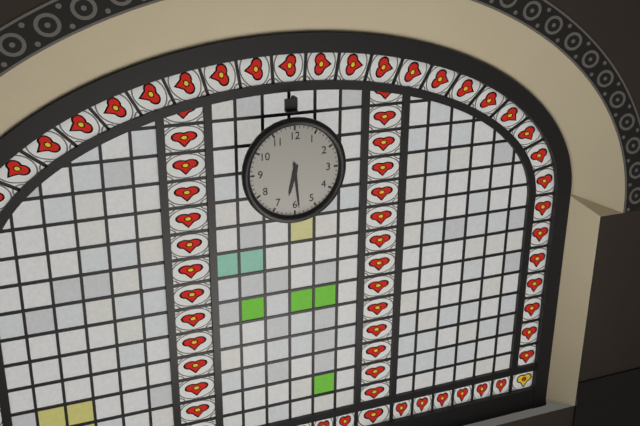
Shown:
**6:29**
